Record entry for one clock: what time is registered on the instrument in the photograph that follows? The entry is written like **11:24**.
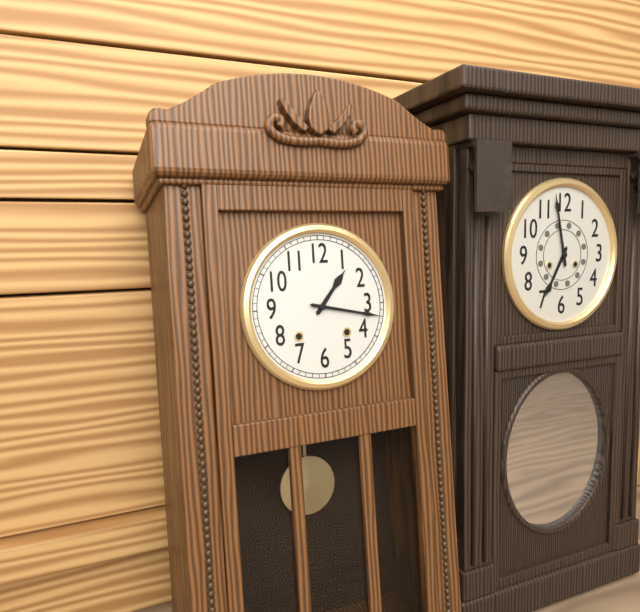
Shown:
**1:17**
